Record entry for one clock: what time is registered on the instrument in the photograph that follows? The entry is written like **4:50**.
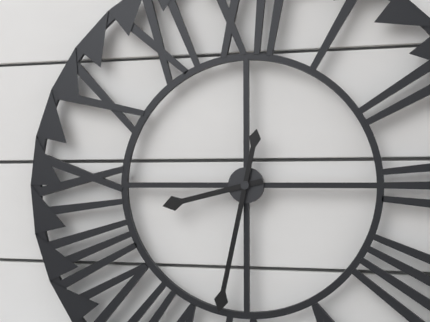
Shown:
**8:32**
